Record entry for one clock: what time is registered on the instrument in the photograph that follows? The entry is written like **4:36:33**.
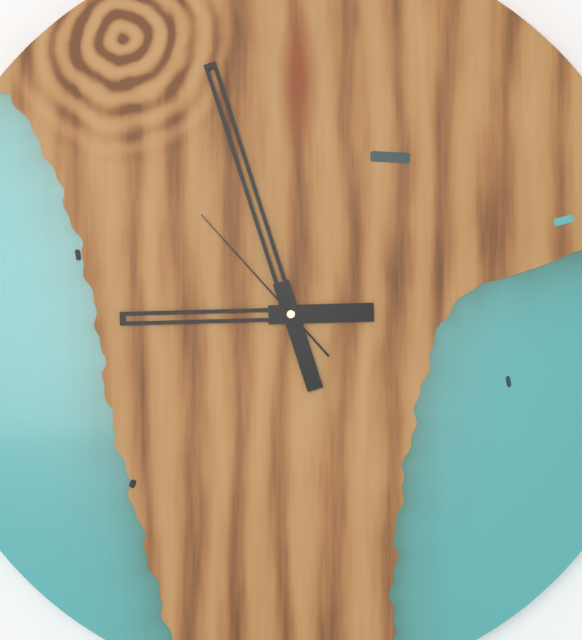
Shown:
**8:57:53**
